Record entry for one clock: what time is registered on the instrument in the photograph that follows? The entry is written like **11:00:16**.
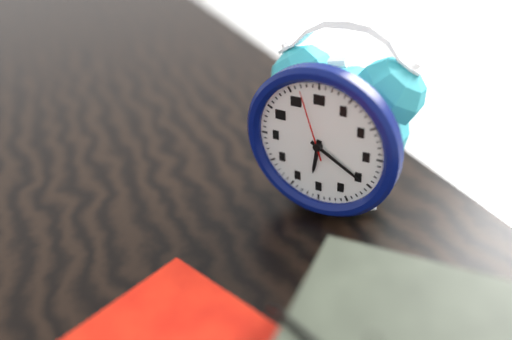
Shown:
**6:20:57**
